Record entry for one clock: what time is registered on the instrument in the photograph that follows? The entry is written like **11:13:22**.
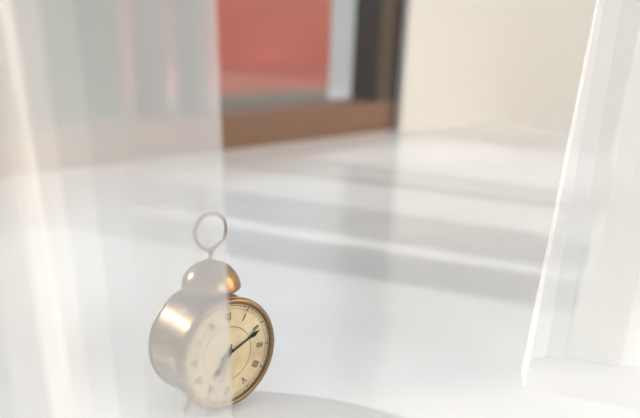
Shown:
**7:11:33**
